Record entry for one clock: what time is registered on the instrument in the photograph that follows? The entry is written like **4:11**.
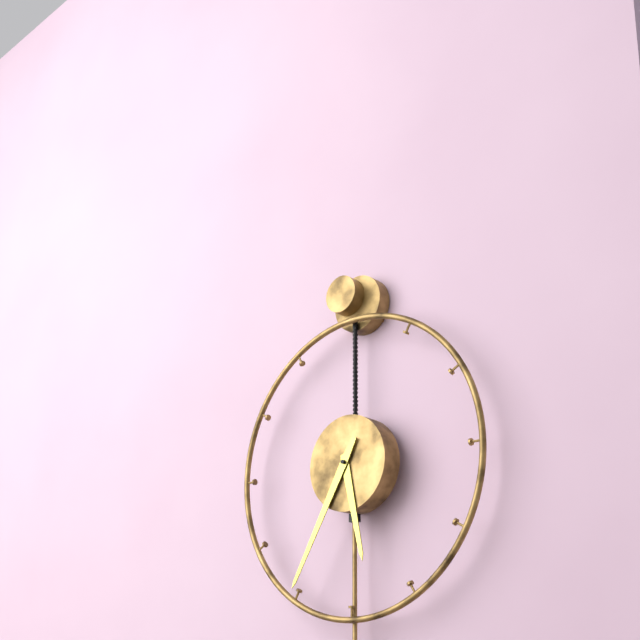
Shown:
**5:35**
